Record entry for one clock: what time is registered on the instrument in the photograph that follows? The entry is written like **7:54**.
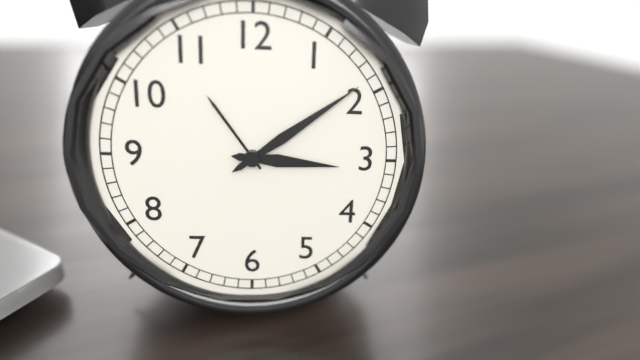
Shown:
**3:09**
